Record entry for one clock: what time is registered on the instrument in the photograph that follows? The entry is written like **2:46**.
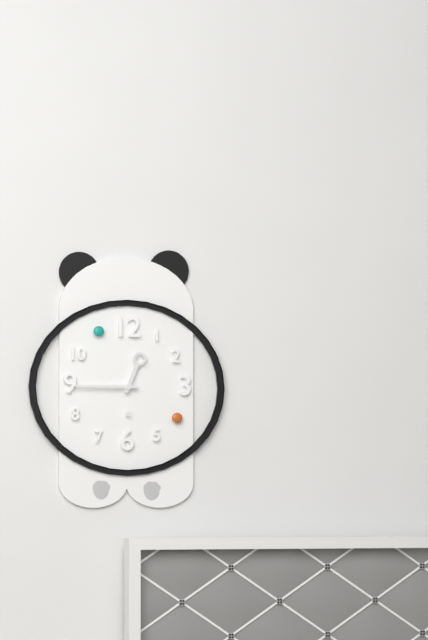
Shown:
**12:45**
